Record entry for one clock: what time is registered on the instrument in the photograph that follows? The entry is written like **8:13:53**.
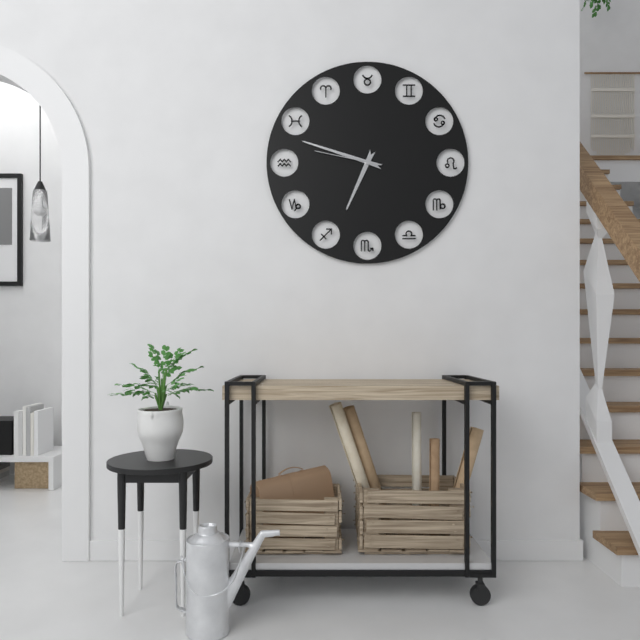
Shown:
**6:48:47**
